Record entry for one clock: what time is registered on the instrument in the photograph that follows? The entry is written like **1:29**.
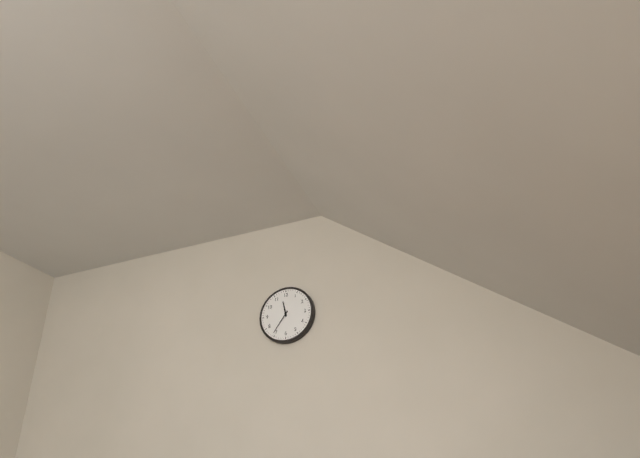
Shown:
**11:36**
